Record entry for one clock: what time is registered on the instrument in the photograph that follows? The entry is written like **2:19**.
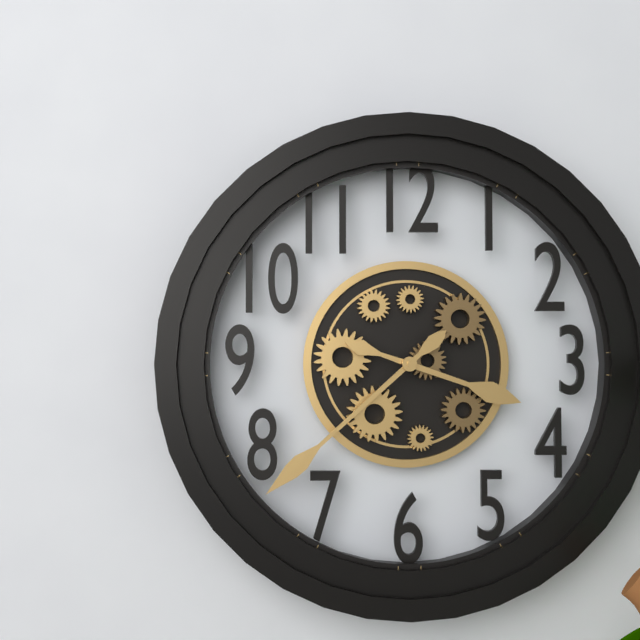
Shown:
**3:38**
